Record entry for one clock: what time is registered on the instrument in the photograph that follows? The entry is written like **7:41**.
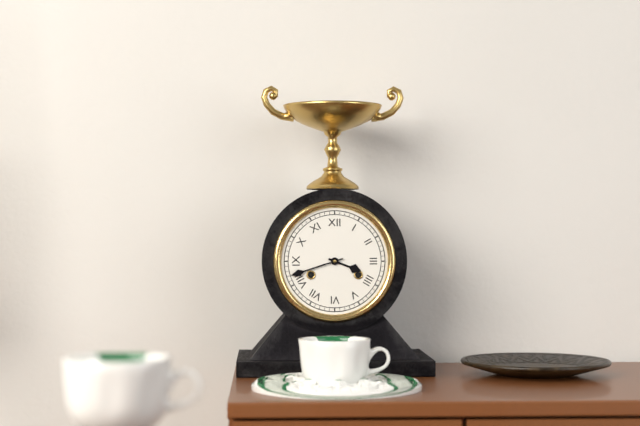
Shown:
**3:42**
